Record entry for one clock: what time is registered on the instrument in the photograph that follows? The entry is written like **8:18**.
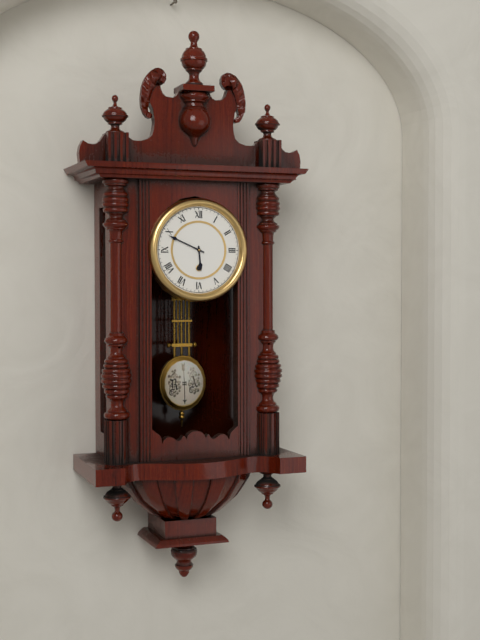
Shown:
**5:49**
